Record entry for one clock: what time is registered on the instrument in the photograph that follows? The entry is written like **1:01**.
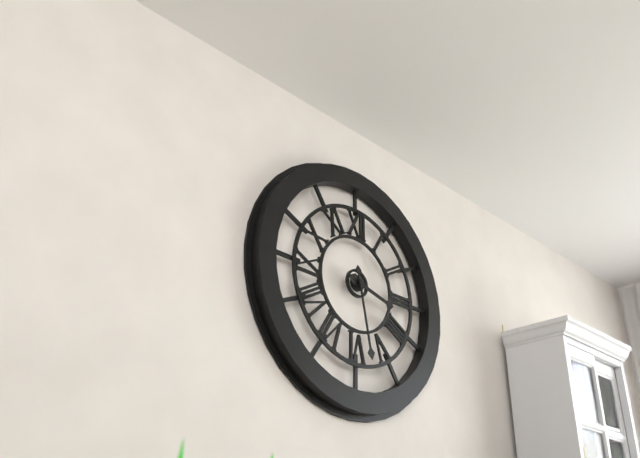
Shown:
**3:28**
